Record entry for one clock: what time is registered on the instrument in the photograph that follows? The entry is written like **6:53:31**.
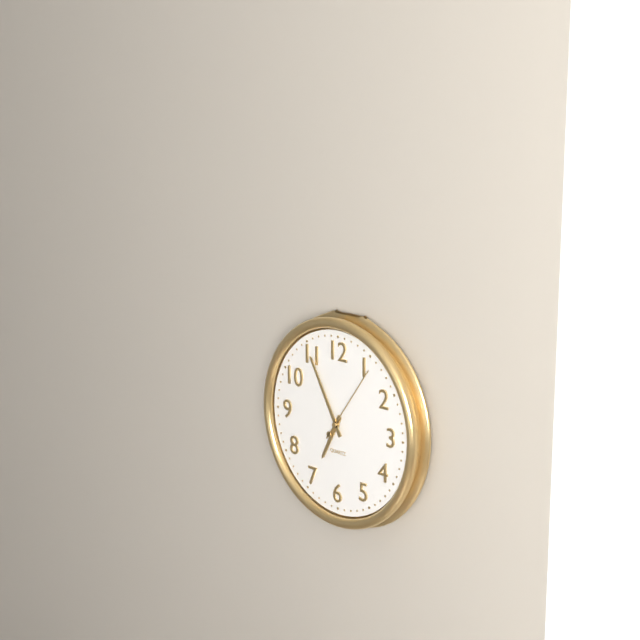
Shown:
**6:55:06**
